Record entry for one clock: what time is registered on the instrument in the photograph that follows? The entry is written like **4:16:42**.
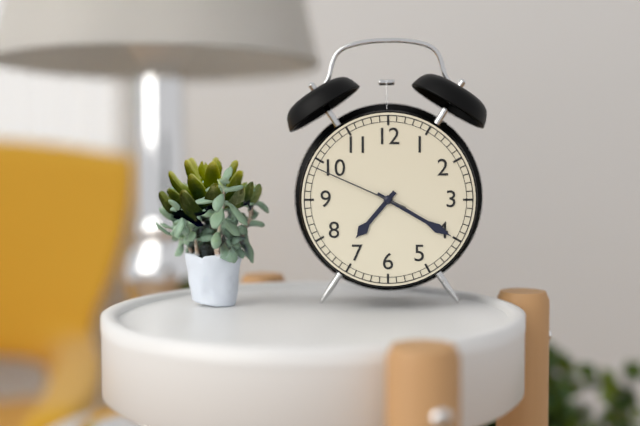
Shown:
**7:20:49**
